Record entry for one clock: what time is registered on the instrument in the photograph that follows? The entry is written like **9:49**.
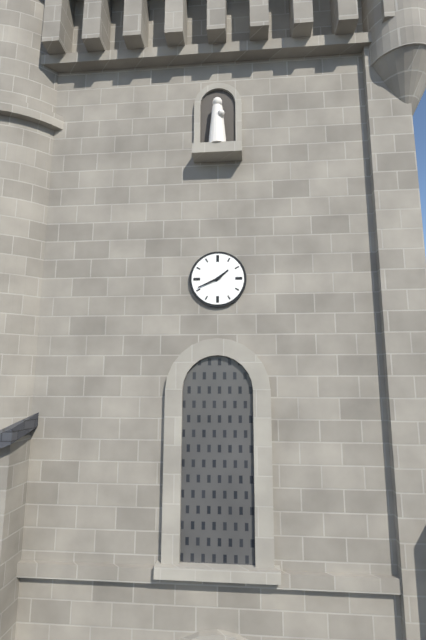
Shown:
**1:41**
